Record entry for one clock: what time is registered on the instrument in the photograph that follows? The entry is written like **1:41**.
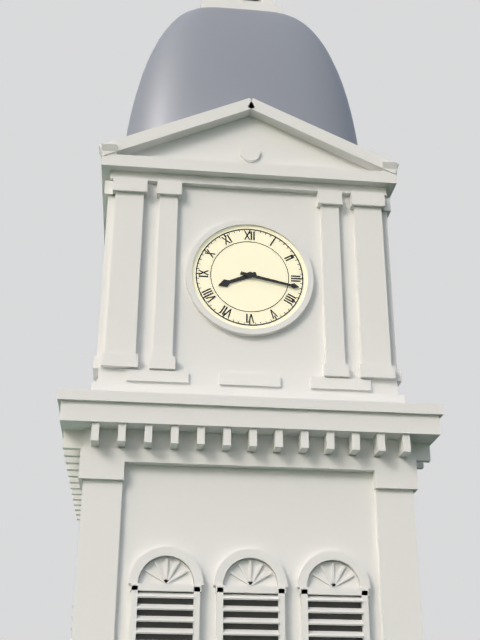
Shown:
**8:17**
